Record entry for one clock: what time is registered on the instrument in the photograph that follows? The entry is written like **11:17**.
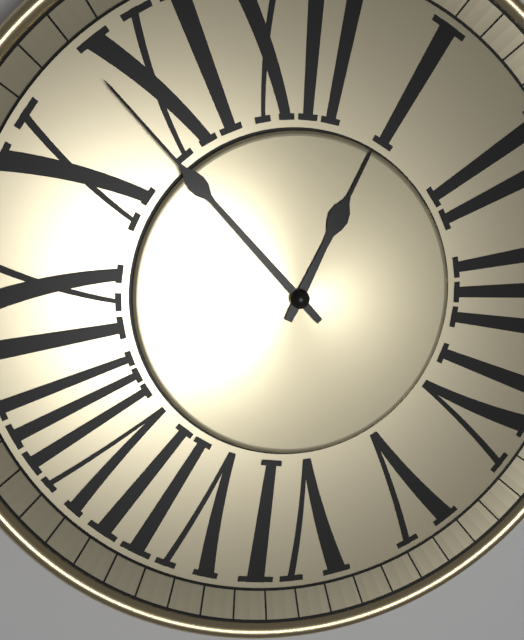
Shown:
**12:53**
